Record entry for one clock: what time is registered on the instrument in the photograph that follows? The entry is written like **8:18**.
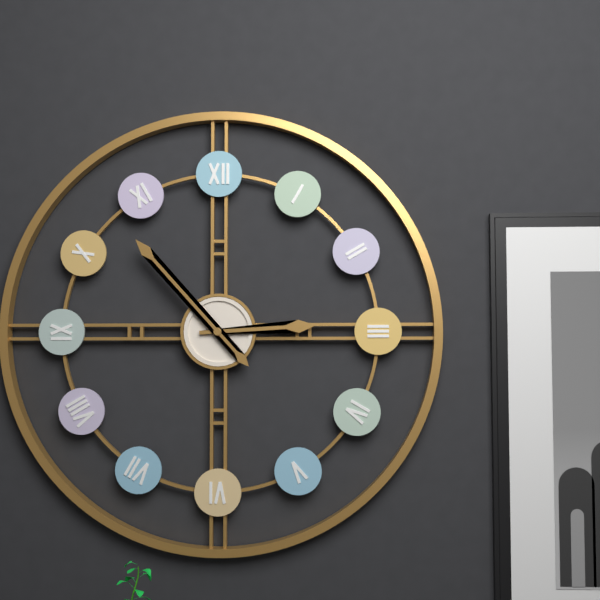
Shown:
**2:53**
